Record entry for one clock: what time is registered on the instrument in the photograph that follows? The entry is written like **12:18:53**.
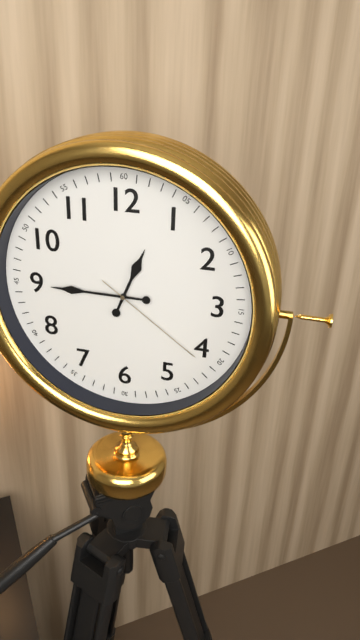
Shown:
**12:45:21**
